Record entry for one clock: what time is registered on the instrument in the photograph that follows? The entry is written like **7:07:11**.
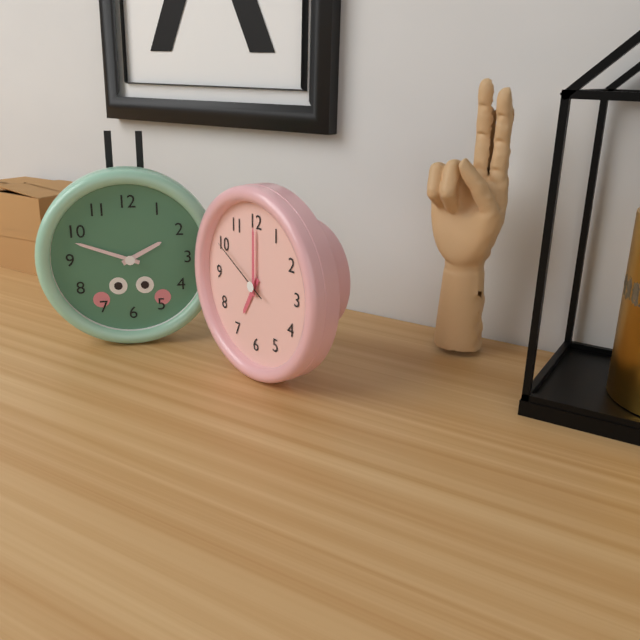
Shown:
**7:00:50**
